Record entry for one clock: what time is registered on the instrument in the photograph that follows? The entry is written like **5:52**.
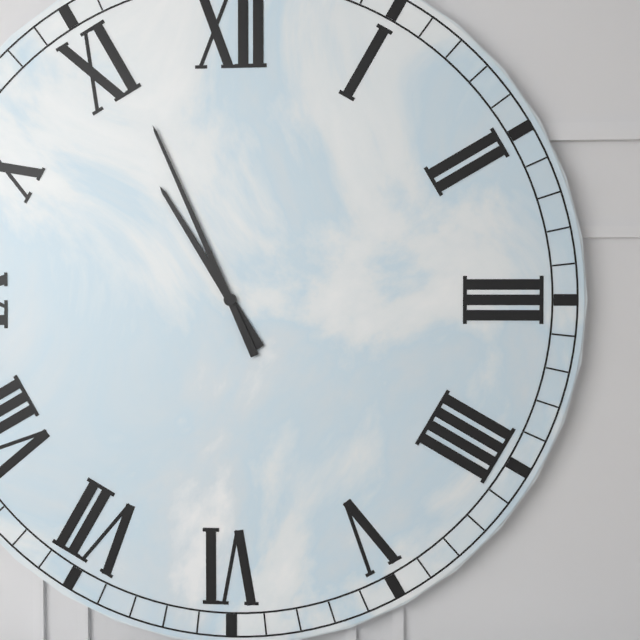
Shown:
**10:56**
